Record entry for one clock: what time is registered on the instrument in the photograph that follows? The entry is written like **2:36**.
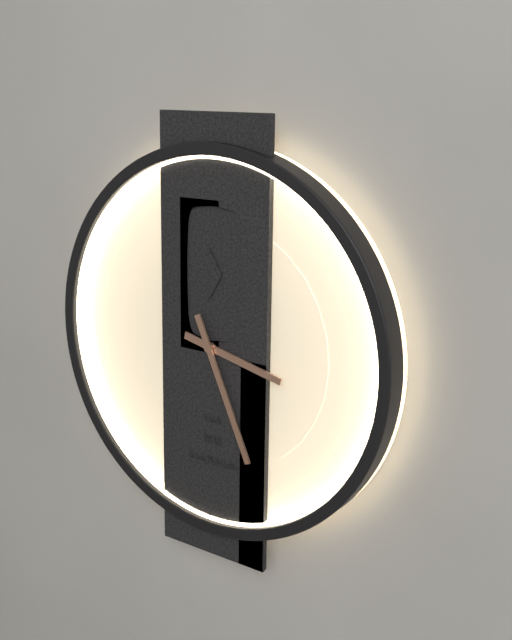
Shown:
**3:26**
